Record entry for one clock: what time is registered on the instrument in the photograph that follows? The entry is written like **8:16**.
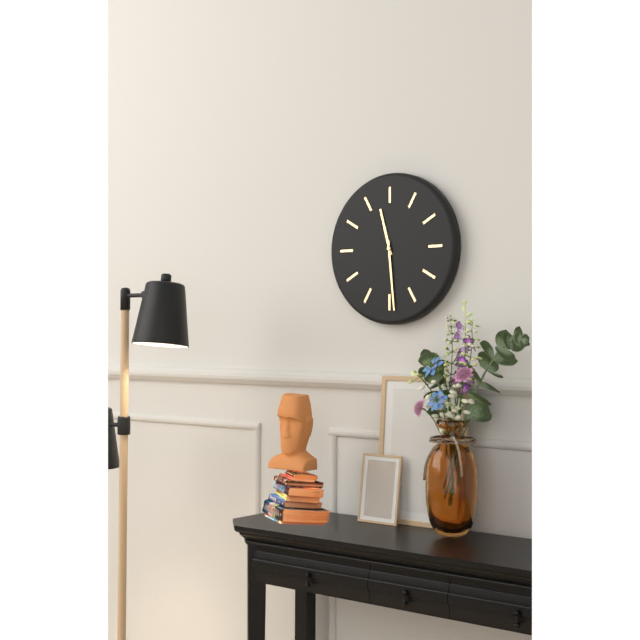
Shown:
**11:29**
